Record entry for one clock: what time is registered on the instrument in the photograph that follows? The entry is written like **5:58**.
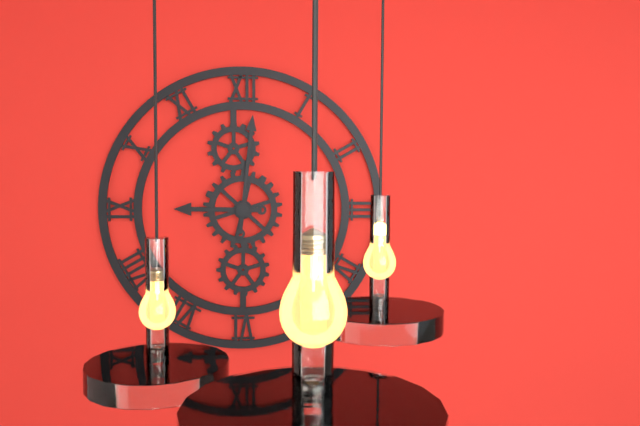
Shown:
**9:01**
